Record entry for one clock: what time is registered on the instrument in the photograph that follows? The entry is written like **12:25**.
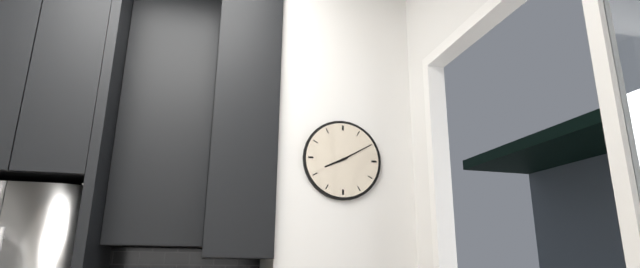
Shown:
**8:10**
